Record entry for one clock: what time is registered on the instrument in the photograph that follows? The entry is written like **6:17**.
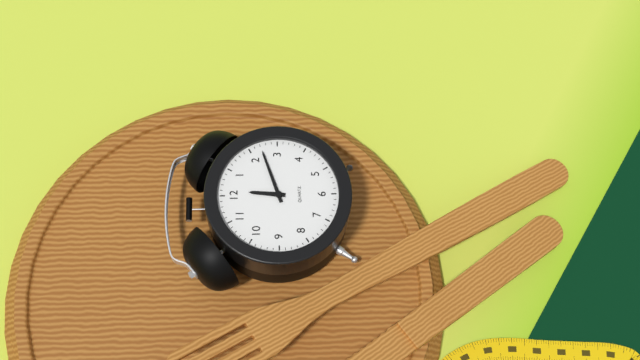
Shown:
**12:12**
